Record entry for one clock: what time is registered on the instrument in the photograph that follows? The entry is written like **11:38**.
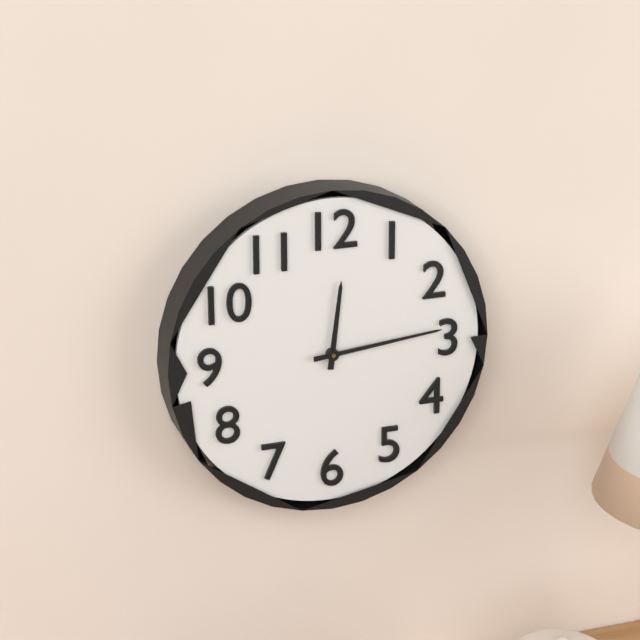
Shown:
**12:14**
